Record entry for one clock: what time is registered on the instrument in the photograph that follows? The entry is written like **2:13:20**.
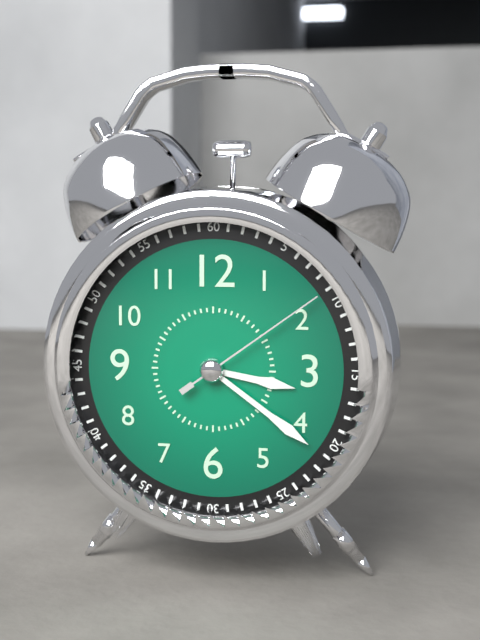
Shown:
**3:21:09**
